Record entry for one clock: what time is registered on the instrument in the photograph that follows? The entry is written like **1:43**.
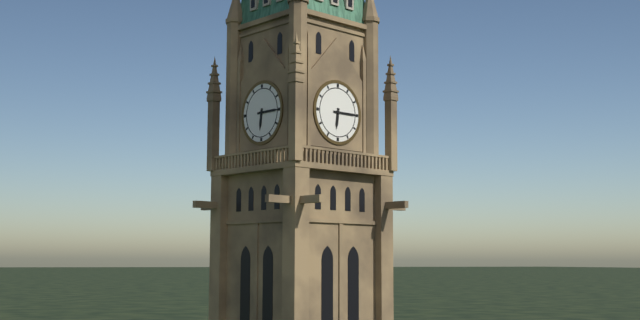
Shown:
**6:15**
